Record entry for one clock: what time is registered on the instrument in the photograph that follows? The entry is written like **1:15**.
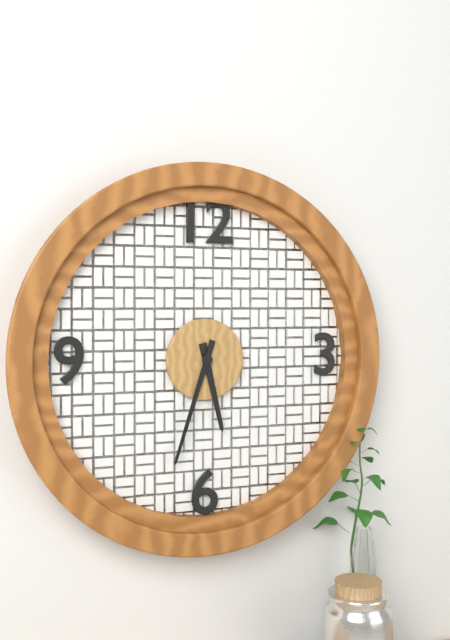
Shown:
**5:33**
